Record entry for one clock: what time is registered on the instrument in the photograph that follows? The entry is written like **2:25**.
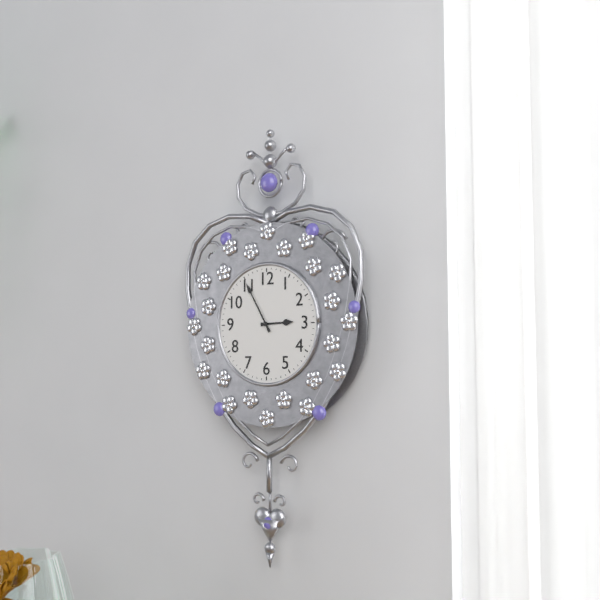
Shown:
**2:55**
